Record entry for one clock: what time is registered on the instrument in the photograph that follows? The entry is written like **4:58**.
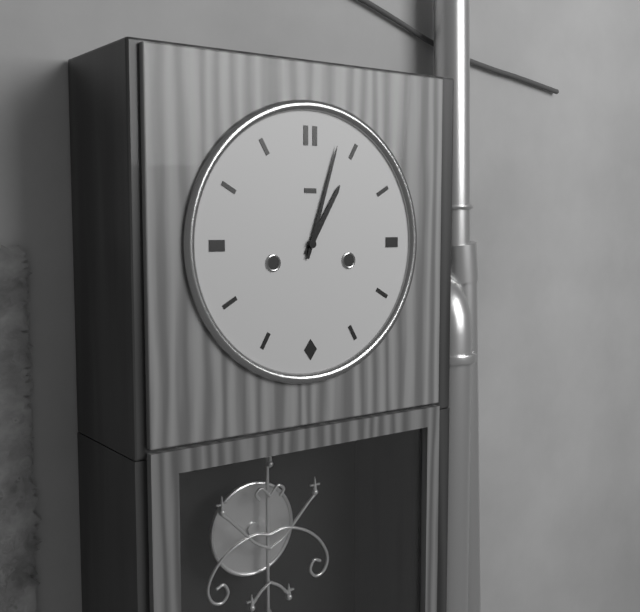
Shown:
**1:03**
